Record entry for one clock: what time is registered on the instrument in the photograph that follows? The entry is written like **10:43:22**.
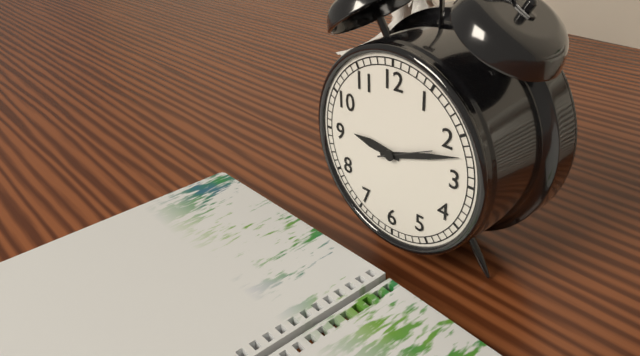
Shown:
**9:12:11**
